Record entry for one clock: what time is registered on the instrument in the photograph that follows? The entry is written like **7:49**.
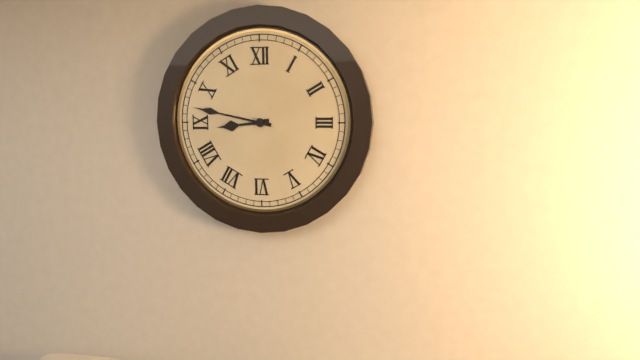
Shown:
**8:47**
